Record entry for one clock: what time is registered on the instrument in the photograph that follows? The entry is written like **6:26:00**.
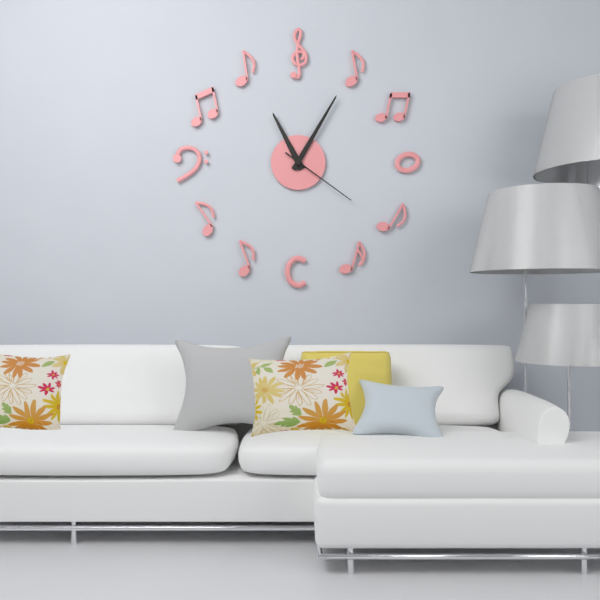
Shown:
**11:05:21**
